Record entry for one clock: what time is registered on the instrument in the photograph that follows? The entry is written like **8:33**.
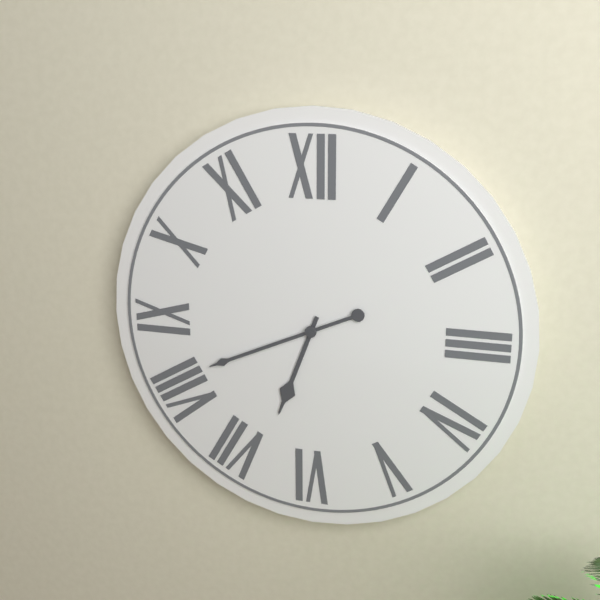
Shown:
**6:41**
